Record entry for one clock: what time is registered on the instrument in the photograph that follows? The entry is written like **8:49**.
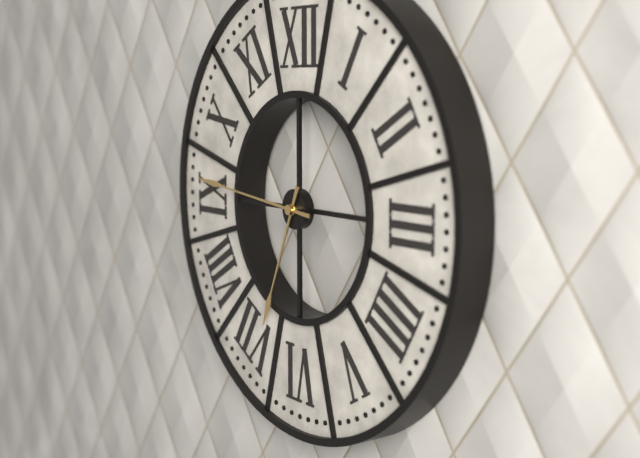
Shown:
**6:46**
